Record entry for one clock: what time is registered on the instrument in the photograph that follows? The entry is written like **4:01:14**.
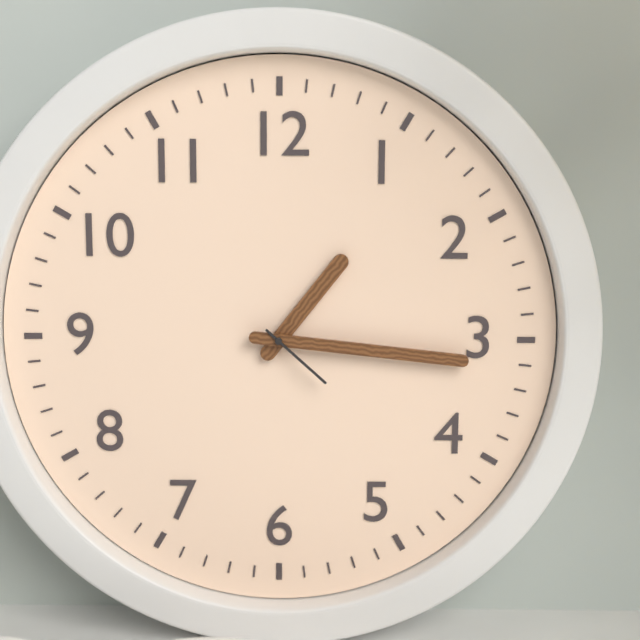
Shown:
**1:16:22**
